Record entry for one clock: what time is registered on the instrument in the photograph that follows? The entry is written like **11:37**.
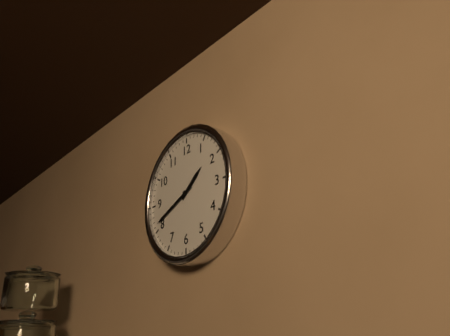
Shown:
**1:41**
